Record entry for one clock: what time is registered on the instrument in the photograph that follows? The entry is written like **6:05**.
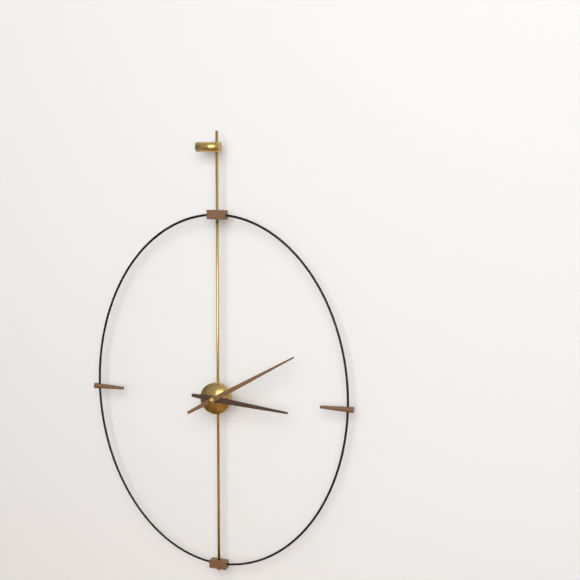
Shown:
**3:10**
